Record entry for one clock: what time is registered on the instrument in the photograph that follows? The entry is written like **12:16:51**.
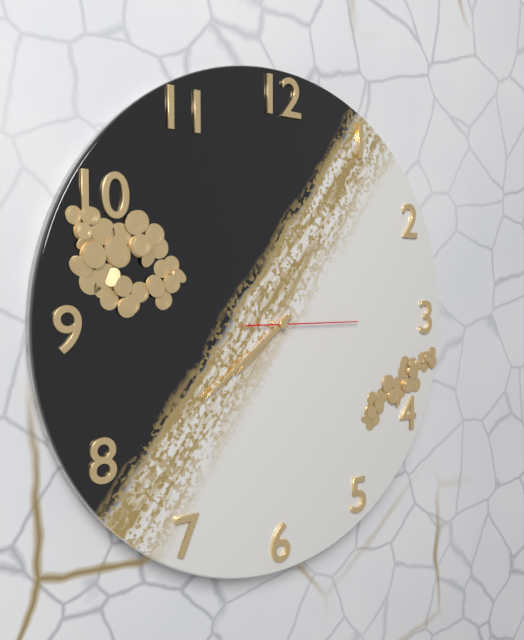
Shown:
**7:39:15**
